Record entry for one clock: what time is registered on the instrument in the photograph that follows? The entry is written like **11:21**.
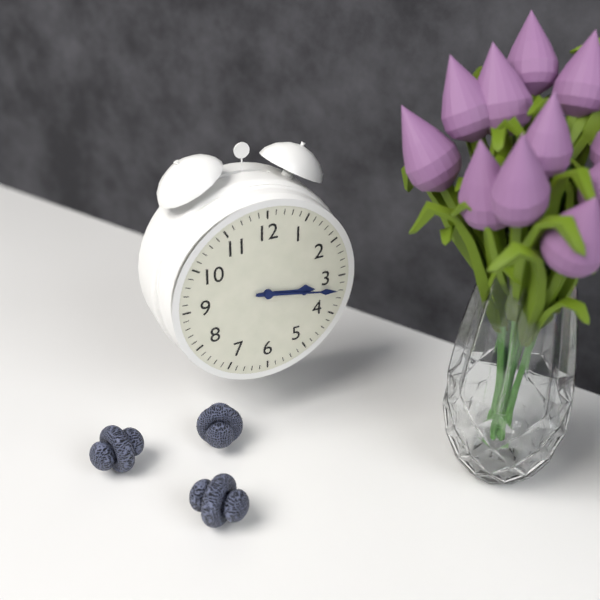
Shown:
**3:17**
